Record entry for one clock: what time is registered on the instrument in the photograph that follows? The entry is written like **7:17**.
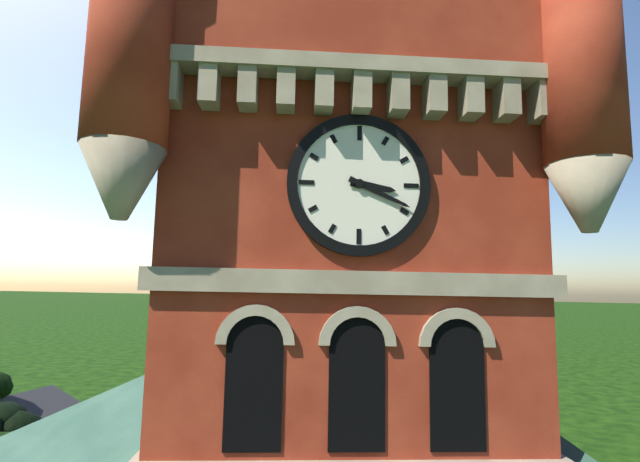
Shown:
**3:19**
